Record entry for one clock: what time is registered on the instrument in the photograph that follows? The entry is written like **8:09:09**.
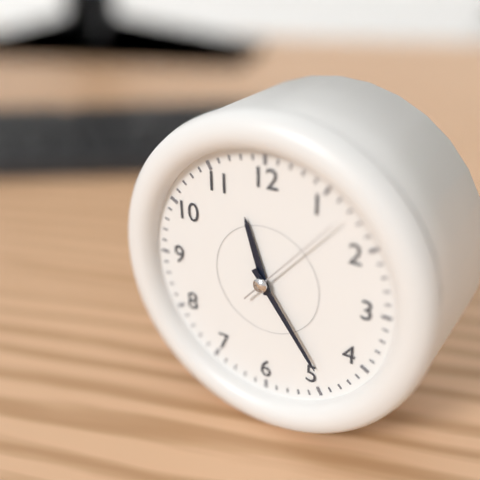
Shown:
**11:24:07**
